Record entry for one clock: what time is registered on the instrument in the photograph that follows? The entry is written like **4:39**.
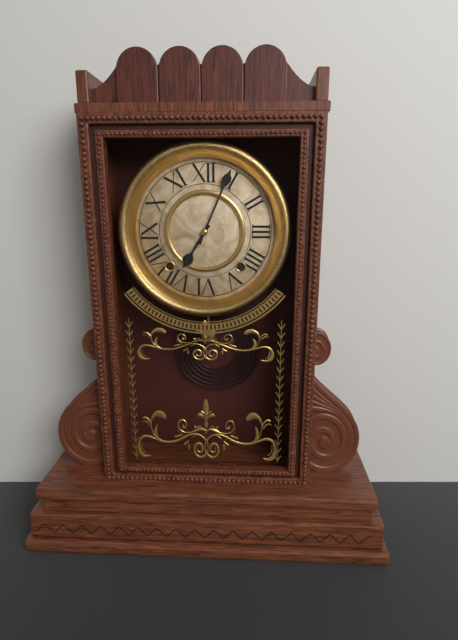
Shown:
**7:04**
